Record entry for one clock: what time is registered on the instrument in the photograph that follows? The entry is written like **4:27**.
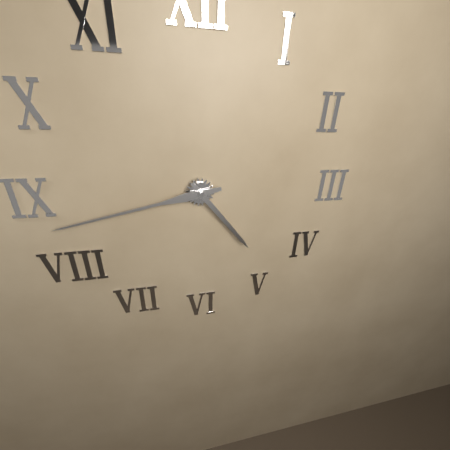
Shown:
**4:43**
